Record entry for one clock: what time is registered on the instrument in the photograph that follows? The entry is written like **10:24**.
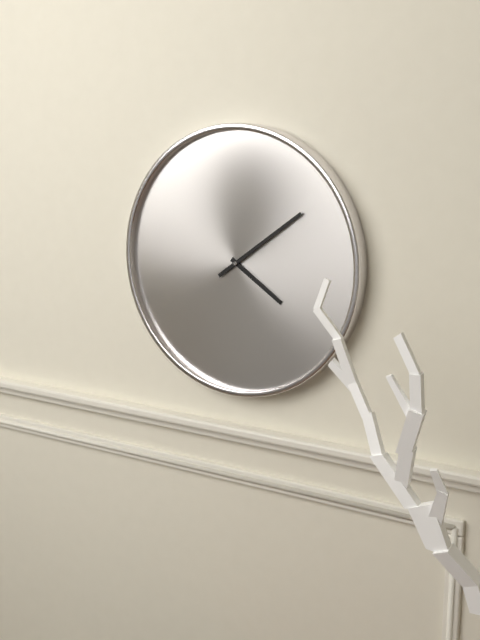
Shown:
**4:09**
